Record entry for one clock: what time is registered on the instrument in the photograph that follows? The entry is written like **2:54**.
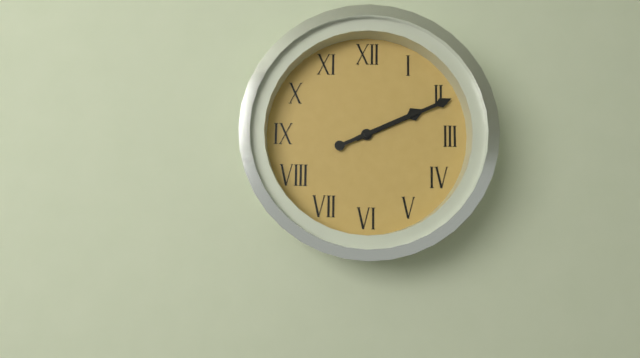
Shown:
**2:11**
